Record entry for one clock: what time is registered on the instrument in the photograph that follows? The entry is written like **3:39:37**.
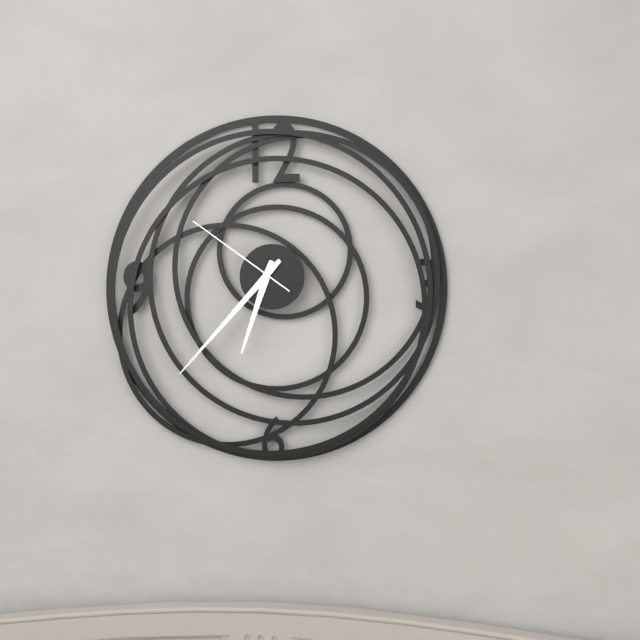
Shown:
**6:37:51**
